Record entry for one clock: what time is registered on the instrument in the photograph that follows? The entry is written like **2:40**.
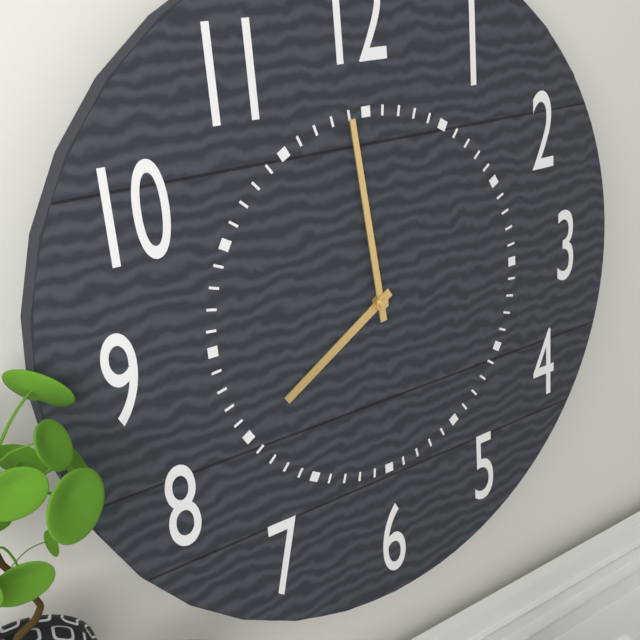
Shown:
**7:59**
